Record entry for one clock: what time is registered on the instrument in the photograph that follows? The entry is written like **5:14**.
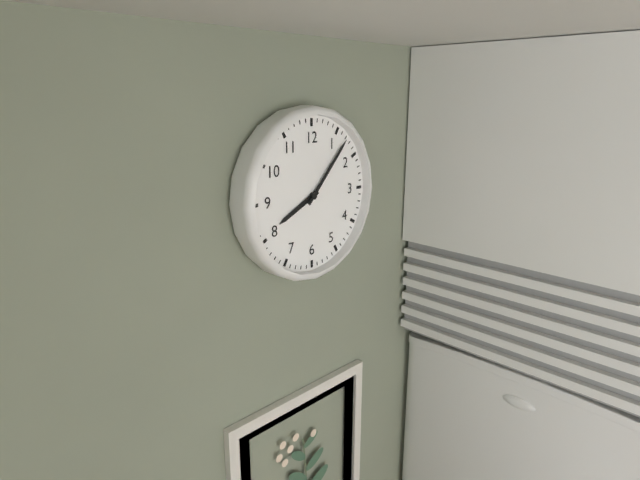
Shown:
**8:07**
